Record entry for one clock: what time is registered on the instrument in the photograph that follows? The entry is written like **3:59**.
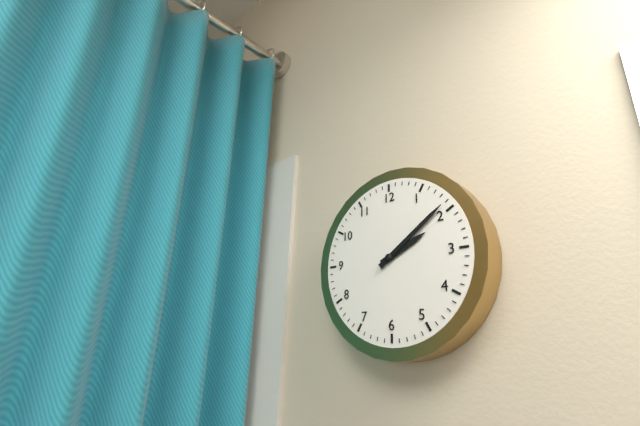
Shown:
**2:09**
